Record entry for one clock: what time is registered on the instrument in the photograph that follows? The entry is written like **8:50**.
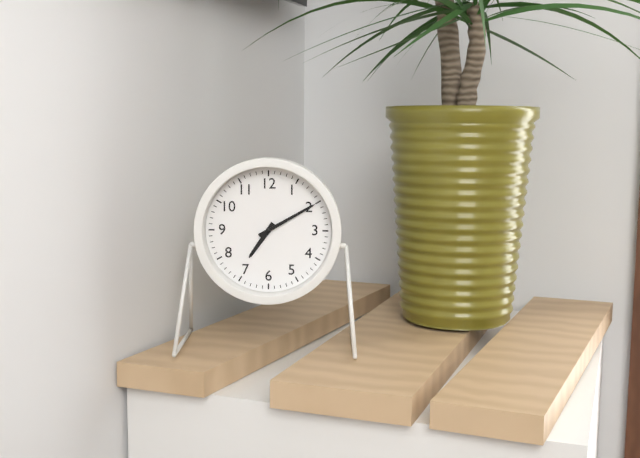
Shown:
**7:10**
